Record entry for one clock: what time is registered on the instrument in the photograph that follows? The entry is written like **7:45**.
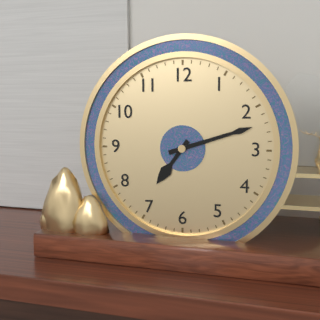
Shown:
**7:12**
